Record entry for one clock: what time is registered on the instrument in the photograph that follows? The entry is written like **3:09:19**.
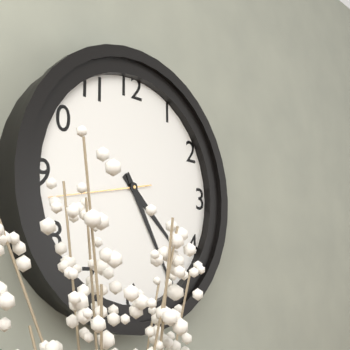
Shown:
**4:25:43**
